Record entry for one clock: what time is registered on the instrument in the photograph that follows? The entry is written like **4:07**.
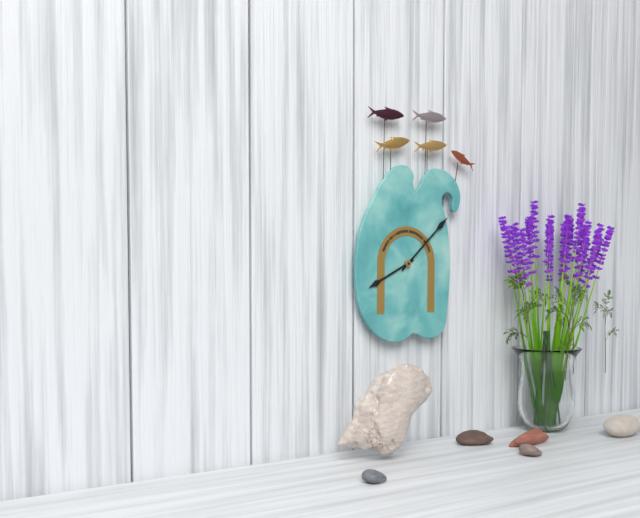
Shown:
**8:08**
